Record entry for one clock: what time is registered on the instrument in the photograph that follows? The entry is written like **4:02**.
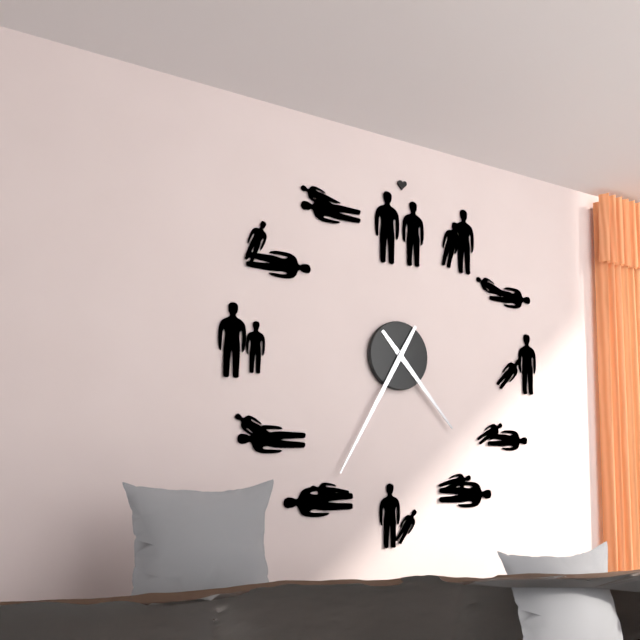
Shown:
**4:35**
